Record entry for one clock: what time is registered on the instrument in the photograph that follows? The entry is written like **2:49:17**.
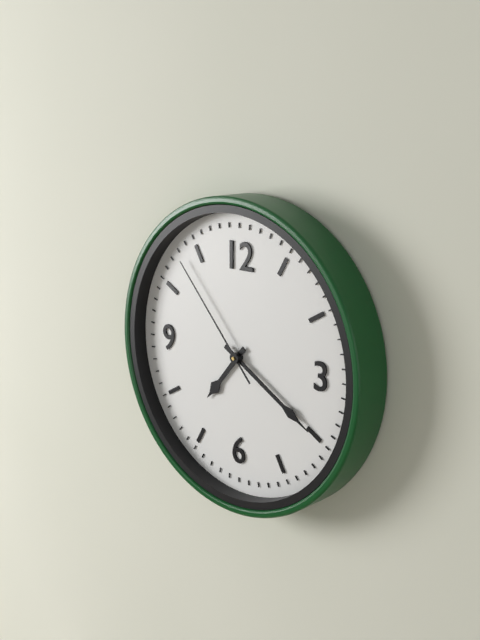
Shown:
**7:20:53**
